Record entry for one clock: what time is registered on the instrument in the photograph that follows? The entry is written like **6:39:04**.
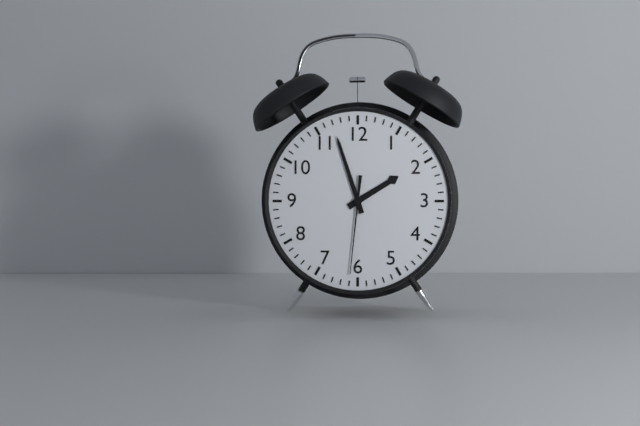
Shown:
**1:57:31**
